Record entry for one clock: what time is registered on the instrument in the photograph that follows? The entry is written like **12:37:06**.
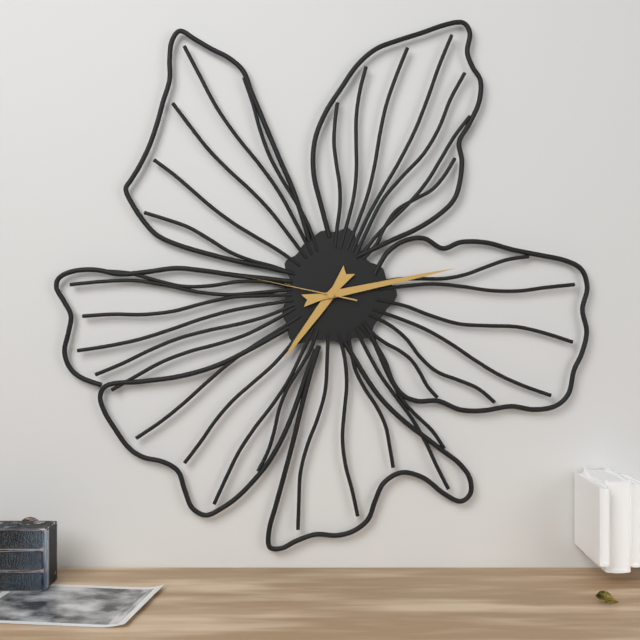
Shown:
**7:13:47**
